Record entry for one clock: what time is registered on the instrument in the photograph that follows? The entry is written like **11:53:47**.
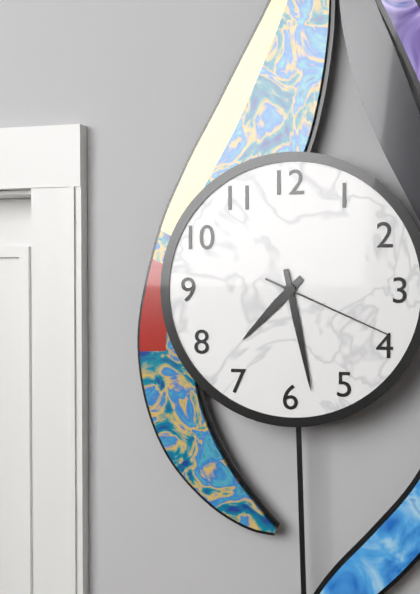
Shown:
**7:28:19**
